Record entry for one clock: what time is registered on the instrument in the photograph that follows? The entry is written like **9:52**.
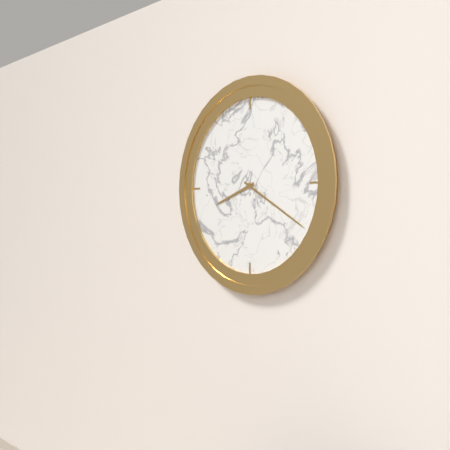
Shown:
**8:20**
